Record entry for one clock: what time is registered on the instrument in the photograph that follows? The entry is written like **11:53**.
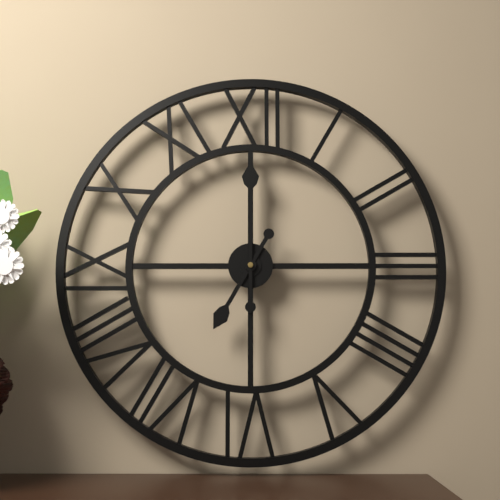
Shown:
**7:00**
